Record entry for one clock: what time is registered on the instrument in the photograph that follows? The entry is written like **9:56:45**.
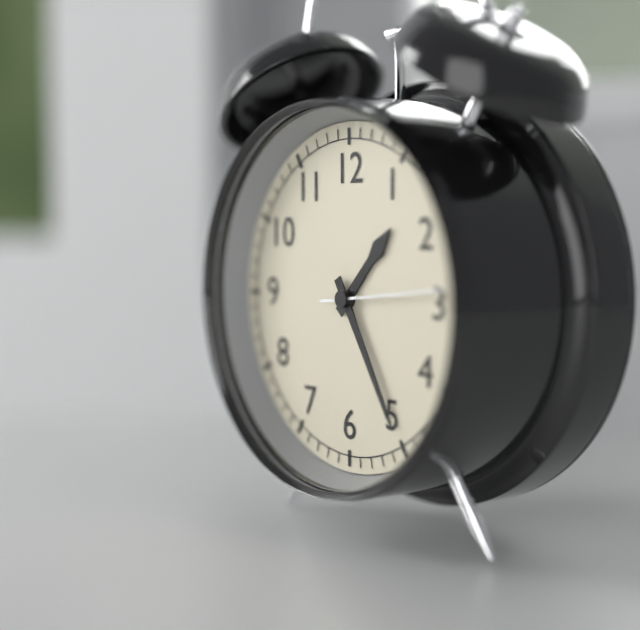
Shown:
**1:25:14**
